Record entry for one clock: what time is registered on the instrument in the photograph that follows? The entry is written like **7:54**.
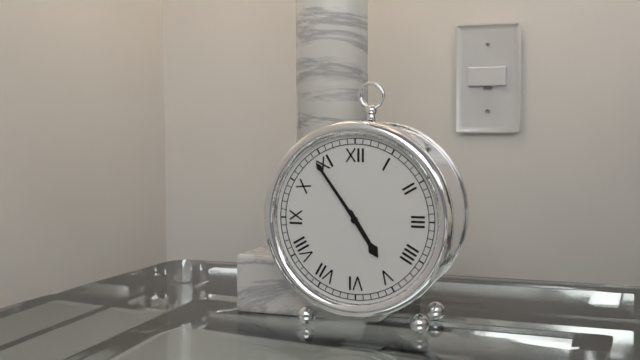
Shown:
**4:54**
